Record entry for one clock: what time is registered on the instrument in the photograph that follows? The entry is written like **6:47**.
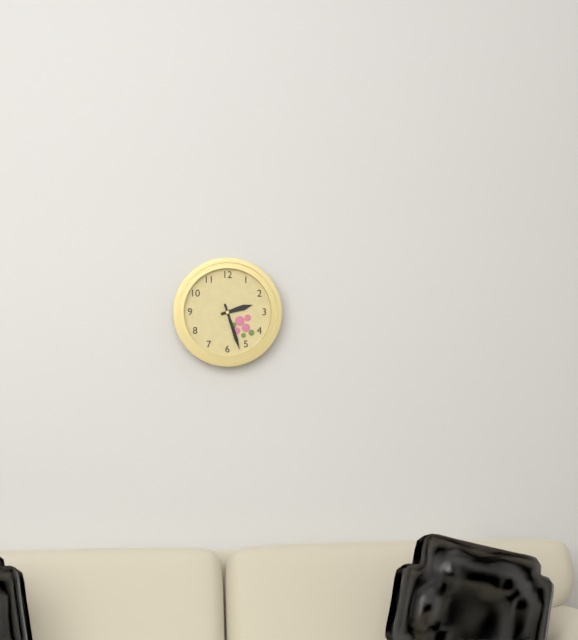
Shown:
**2:27**
